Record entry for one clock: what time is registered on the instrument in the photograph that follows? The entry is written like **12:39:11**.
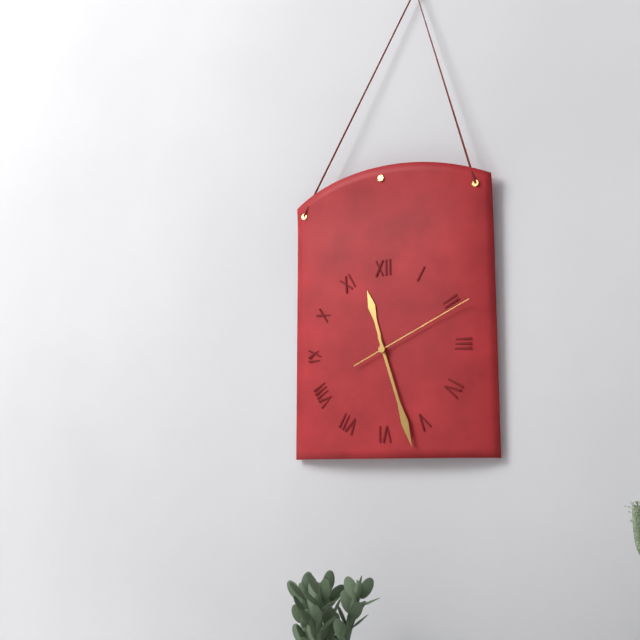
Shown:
**11:27:11**
